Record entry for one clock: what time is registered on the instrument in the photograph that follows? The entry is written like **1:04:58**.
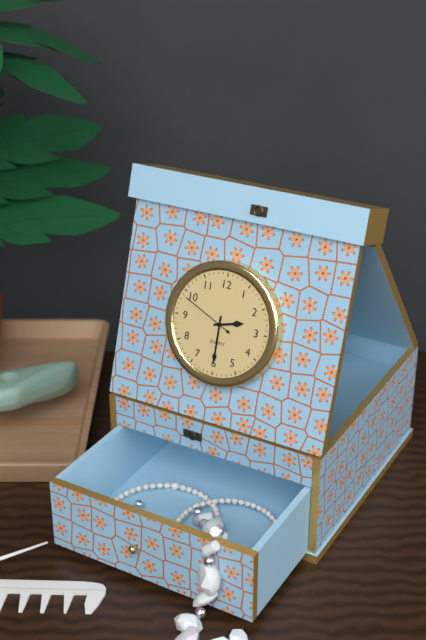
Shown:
**2:30:49**
